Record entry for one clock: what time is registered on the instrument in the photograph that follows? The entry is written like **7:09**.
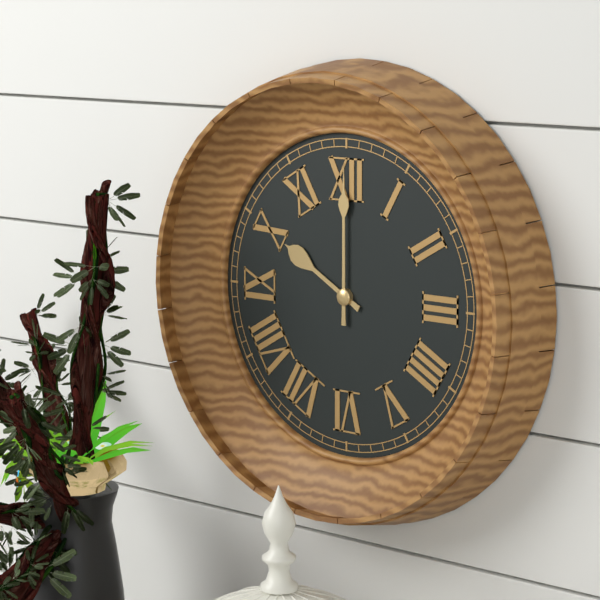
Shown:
**10:00**
